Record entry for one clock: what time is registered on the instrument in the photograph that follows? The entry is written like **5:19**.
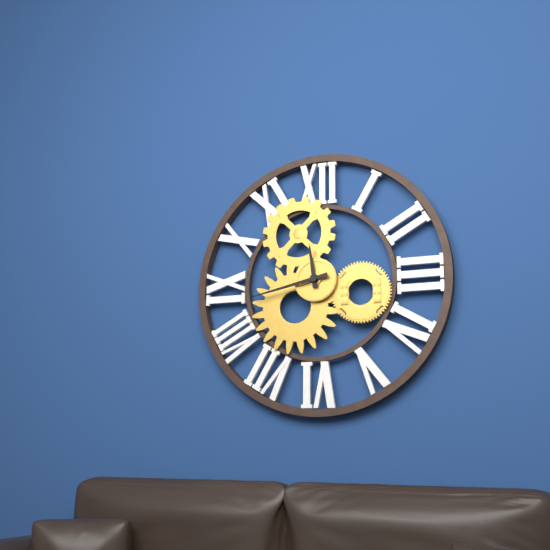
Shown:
**11:43**
